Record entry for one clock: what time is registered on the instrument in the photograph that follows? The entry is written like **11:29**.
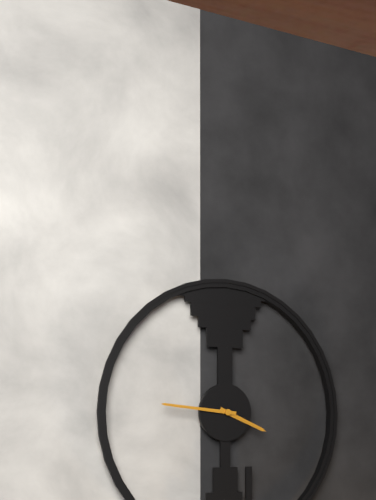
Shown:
**3:46**
